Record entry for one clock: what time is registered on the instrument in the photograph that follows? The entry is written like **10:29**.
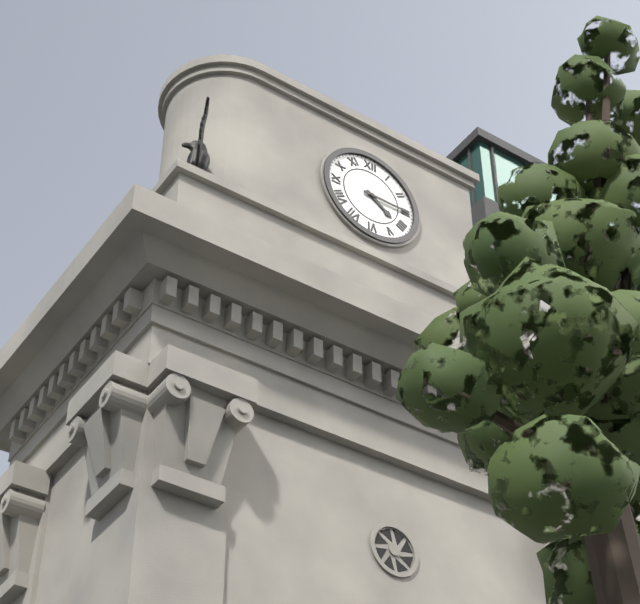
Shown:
**4:15**
